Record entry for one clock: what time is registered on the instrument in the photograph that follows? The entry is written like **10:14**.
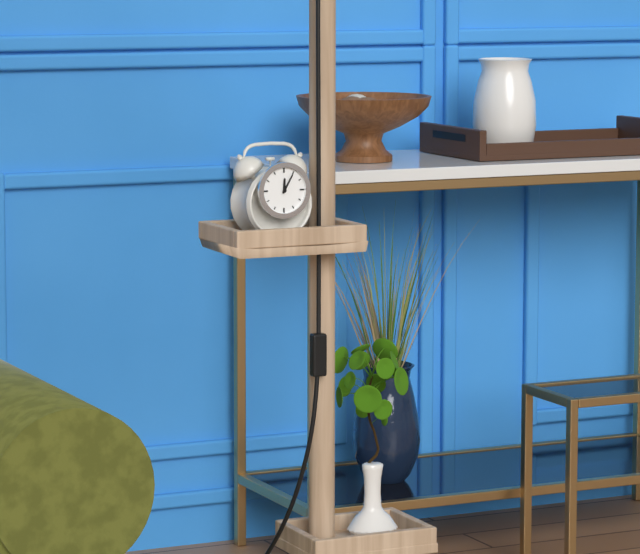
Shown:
**12:05**
